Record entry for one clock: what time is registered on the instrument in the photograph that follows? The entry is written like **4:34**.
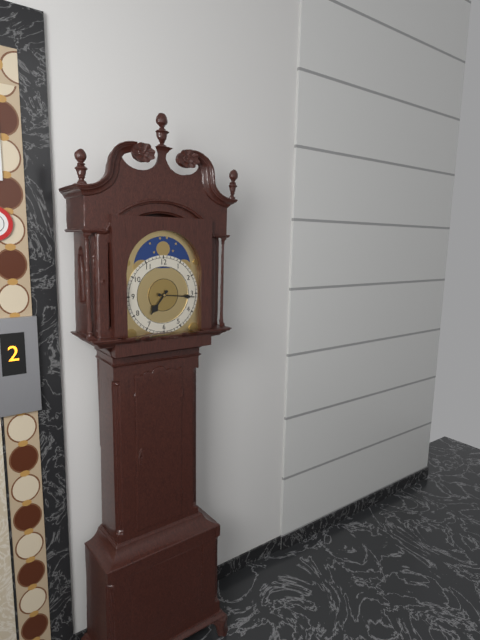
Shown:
**7:16**
